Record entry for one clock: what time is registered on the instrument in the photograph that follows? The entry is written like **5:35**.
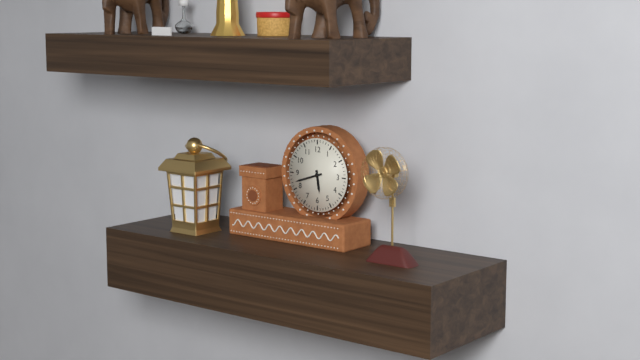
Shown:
**5:42**
